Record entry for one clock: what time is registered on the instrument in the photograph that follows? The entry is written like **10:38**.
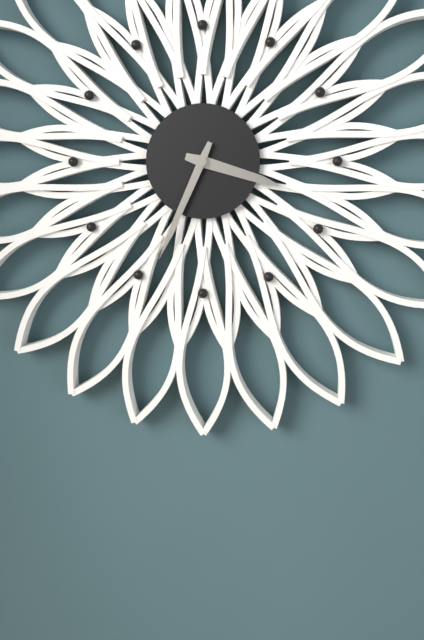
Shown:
**3:34**
